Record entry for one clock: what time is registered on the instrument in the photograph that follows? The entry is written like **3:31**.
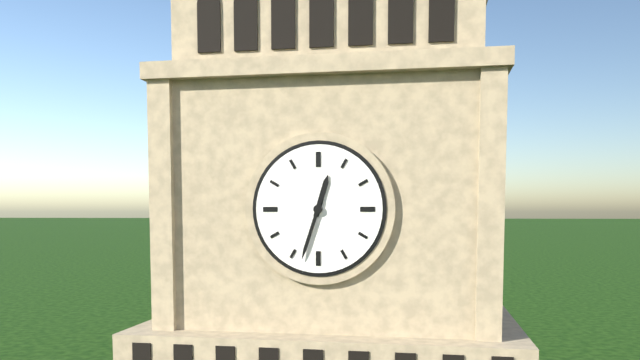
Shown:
**12:33**
